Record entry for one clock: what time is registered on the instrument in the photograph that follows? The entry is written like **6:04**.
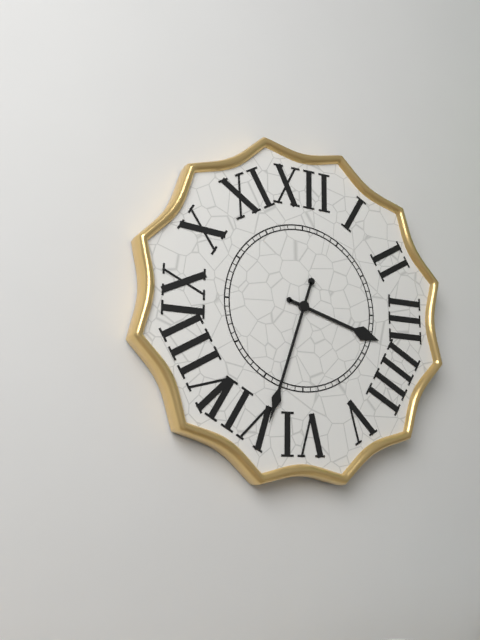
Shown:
**3:33**
